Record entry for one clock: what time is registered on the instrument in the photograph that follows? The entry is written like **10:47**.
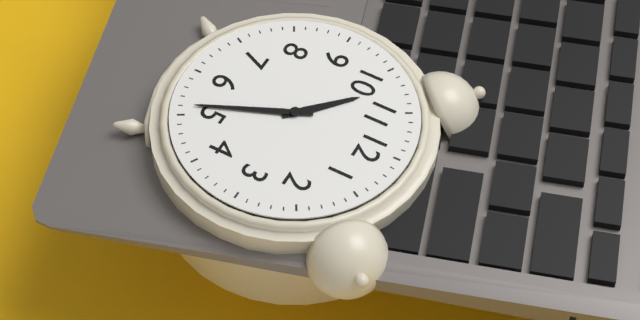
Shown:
**10:26**
